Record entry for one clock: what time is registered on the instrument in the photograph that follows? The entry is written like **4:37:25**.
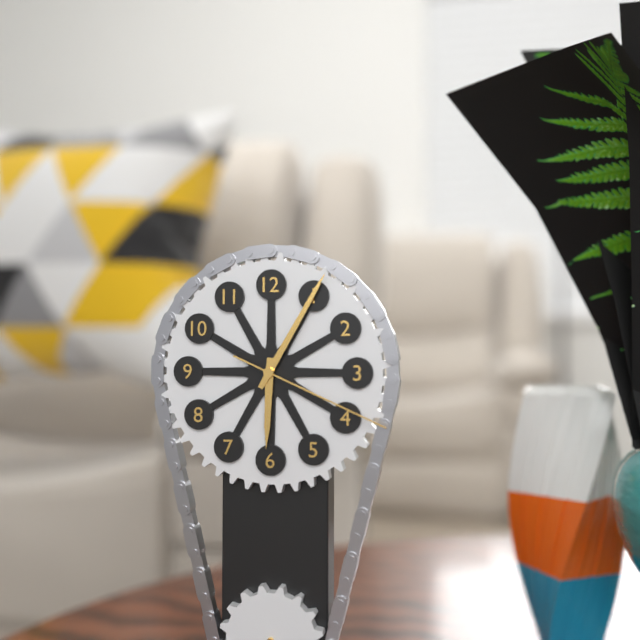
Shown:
**6:05:19**
